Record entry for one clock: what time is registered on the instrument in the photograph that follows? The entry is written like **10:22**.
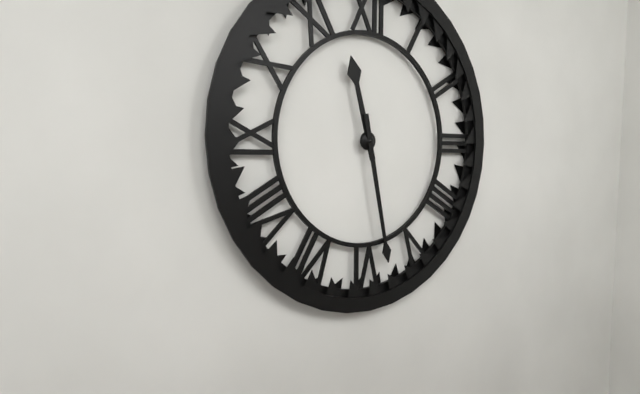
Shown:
**11:28**
